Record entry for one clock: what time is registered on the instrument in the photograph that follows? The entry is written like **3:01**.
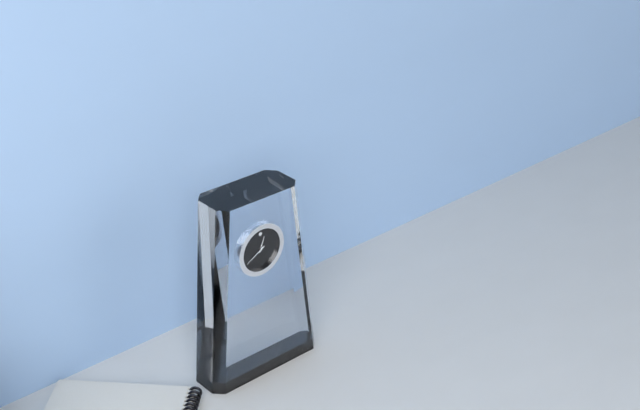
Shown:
**12:40**
